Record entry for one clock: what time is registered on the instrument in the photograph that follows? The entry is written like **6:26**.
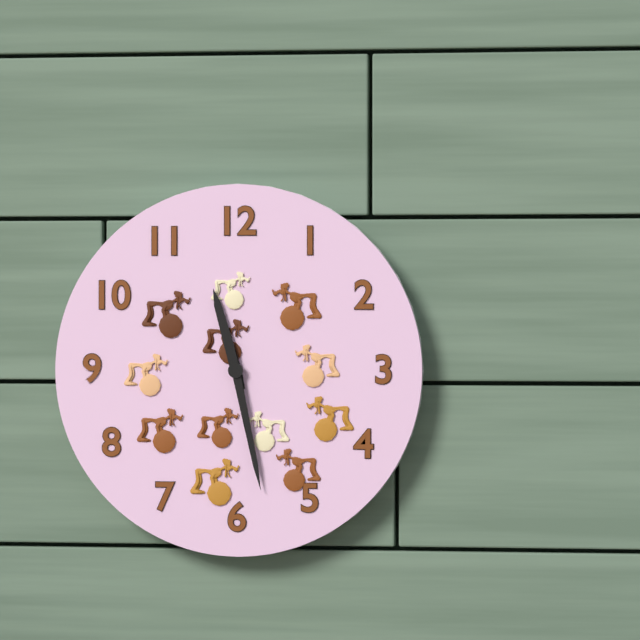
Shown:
**11:28**
